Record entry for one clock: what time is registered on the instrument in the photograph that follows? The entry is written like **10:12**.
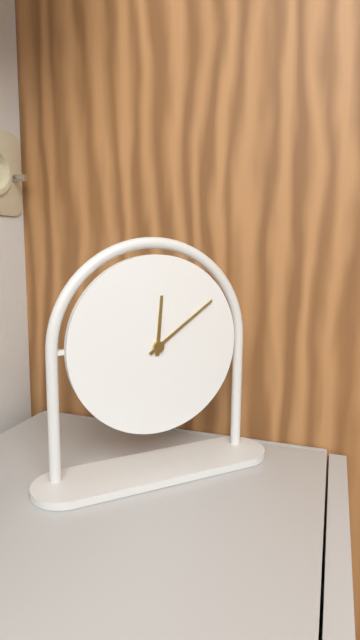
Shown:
**12:09**
